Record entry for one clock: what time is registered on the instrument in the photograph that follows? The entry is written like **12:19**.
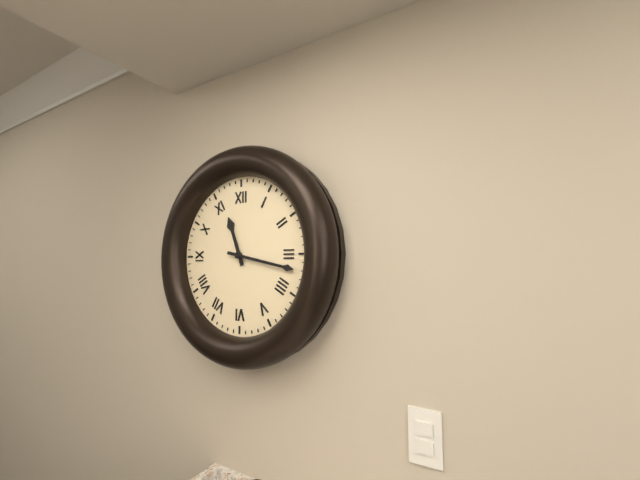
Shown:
**11:17**
